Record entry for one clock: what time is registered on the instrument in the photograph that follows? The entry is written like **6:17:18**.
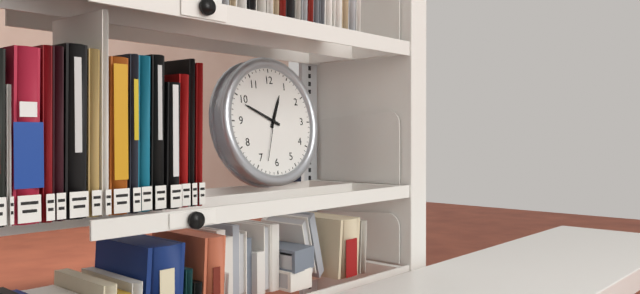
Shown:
**12:49:33**
